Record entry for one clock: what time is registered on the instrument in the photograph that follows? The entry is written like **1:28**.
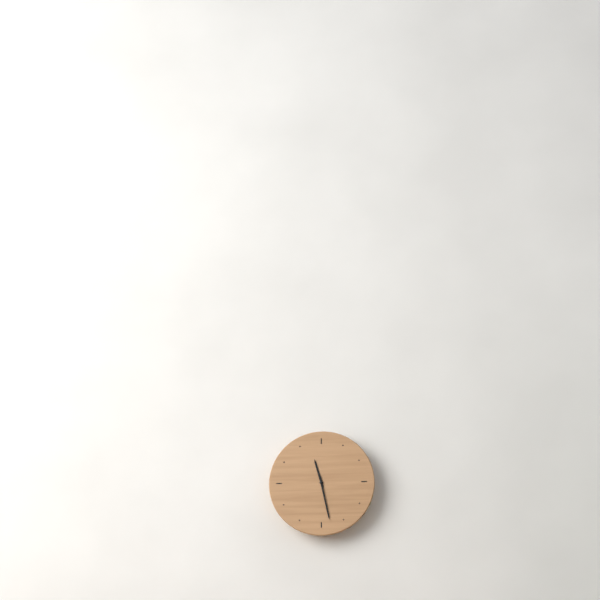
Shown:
**11:28**
